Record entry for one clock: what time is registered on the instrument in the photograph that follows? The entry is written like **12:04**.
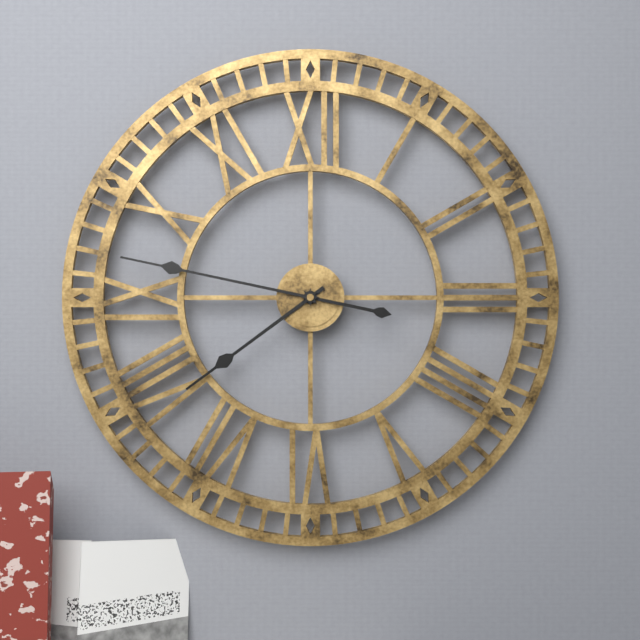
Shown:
**7:47**
